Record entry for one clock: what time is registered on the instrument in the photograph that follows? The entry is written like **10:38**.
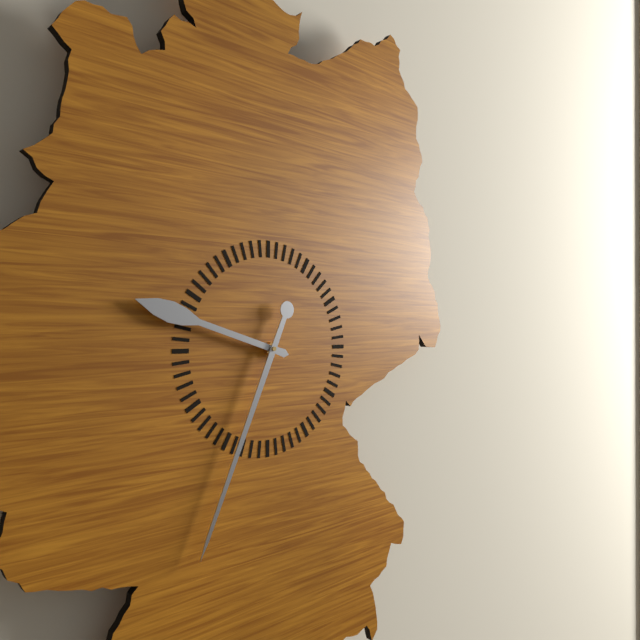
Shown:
**9:34**
